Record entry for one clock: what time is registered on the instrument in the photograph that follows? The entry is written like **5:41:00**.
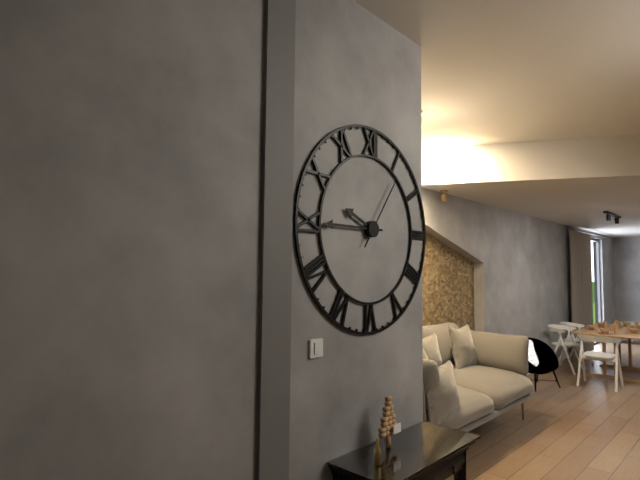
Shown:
**9:45:06**
